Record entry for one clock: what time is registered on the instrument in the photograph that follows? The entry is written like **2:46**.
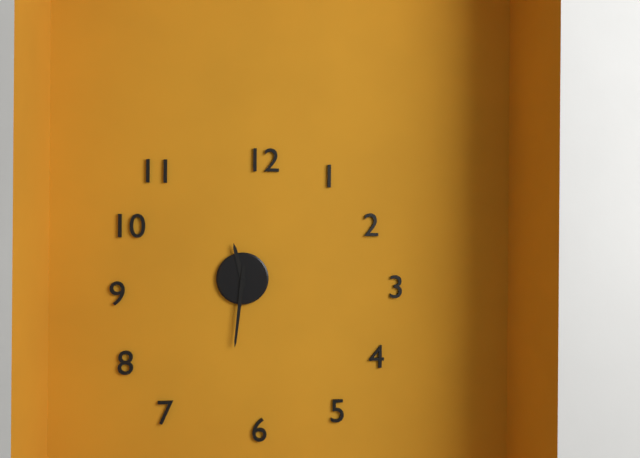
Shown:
**11:31**
